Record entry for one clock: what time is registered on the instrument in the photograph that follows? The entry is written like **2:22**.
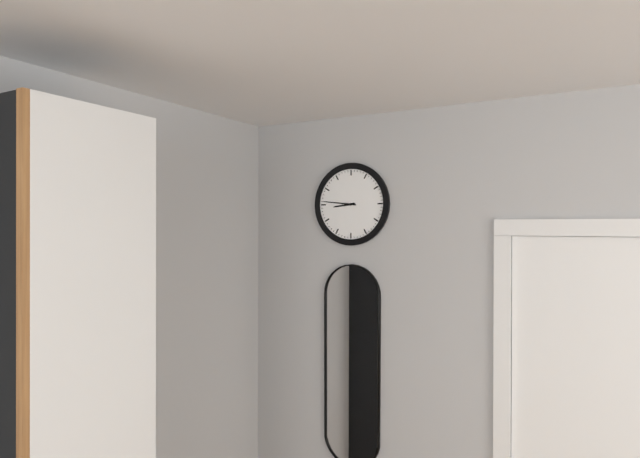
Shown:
**8:46**
